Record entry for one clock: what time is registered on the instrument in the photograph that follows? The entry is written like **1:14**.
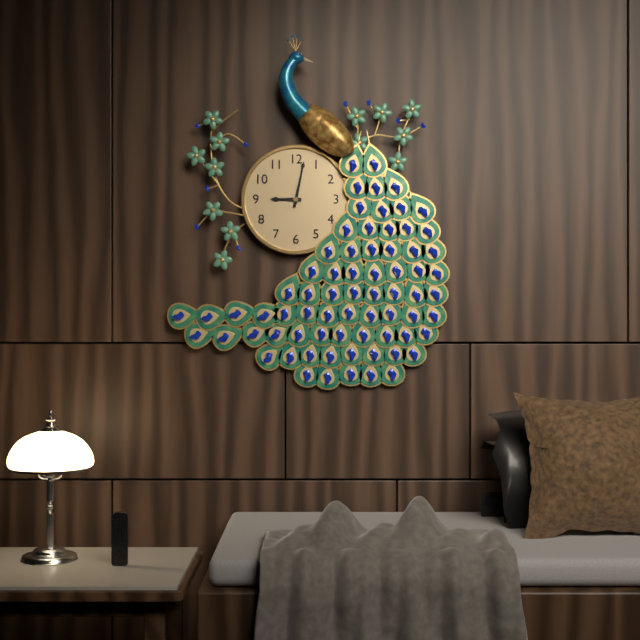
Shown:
**9:02**
